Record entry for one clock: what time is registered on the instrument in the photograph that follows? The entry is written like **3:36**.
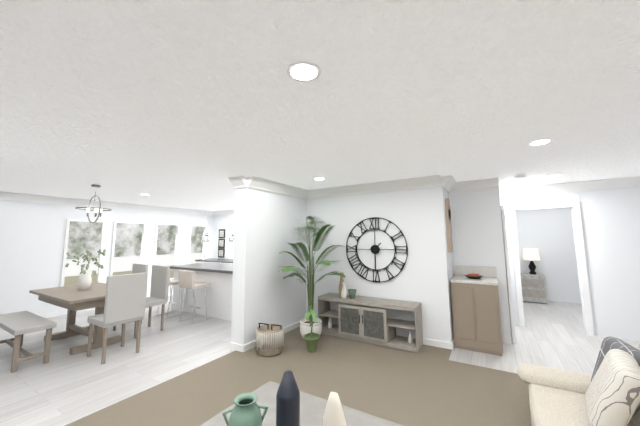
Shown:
**1:30**
